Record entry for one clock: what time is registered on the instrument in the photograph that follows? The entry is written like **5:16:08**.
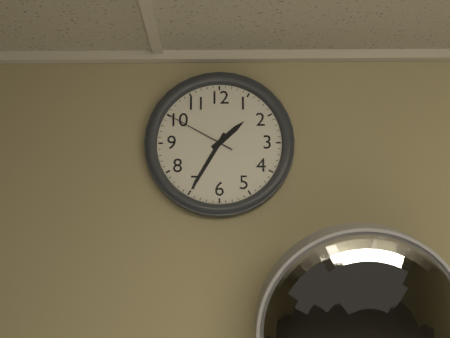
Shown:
**1:35:50**
